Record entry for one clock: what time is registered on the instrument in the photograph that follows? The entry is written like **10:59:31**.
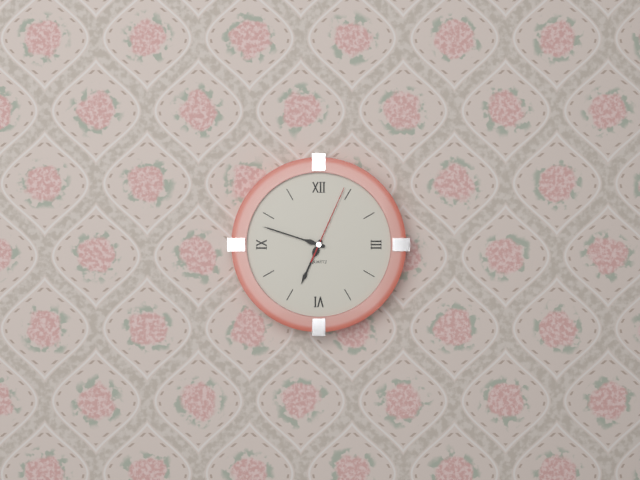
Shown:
**6:48:04**
